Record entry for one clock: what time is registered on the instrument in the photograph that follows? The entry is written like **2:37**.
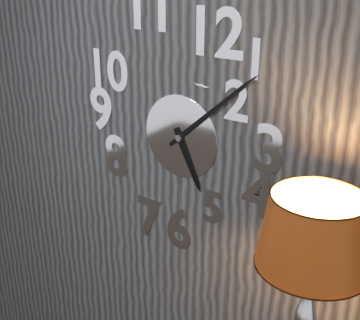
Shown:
**5:08**
